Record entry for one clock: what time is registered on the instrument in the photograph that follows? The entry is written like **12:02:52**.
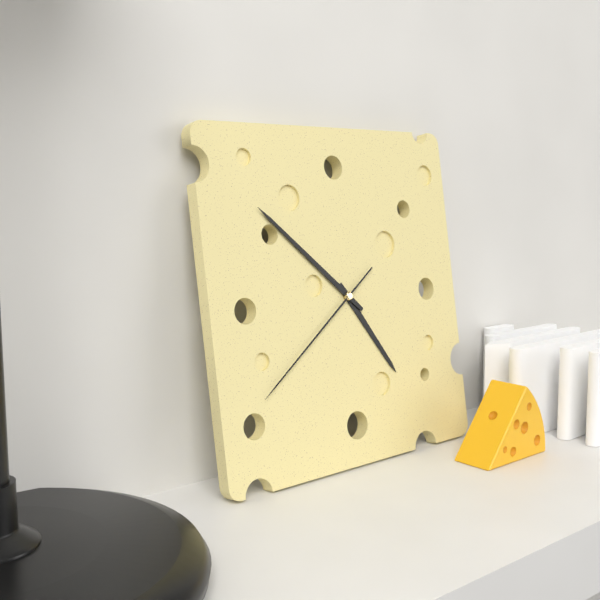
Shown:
**4:52:39**
